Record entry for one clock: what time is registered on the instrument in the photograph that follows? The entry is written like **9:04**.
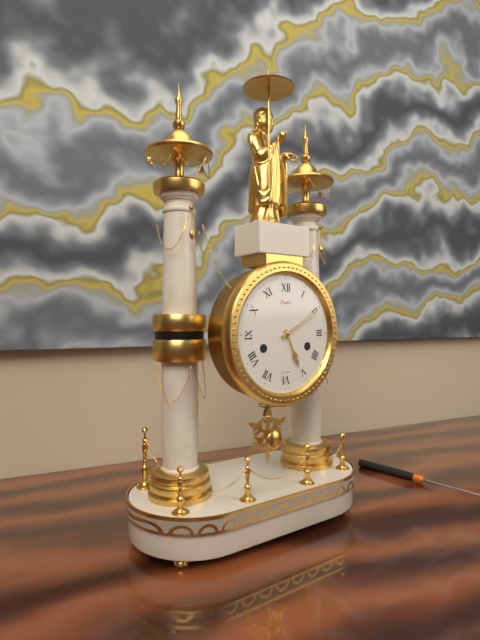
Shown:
**5:10**
